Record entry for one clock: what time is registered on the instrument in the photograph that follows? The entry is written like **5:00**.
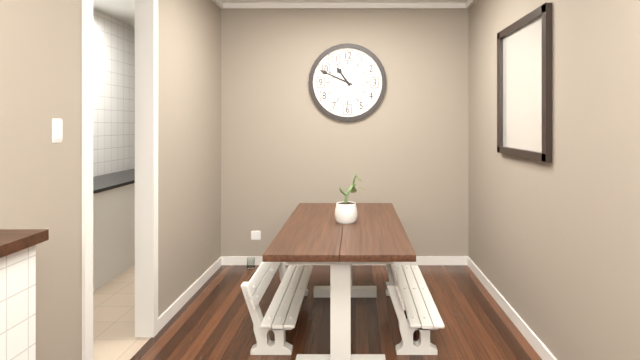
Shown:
**10:49**
